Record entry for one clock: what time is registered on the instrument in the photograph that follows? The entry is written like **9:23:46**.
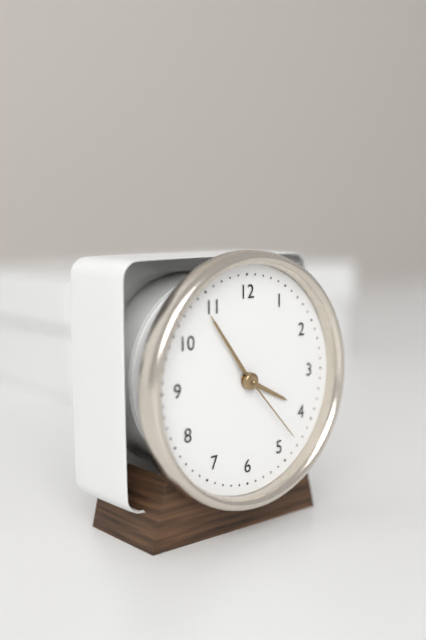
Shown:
**3:54:23**
